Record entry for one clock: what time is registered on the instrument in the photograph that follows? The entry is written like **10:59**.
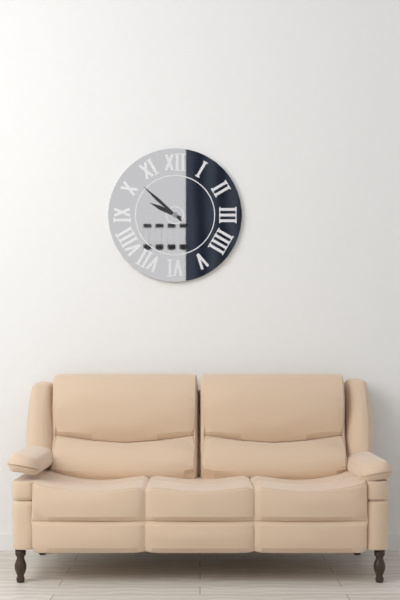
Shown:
**9:52**
